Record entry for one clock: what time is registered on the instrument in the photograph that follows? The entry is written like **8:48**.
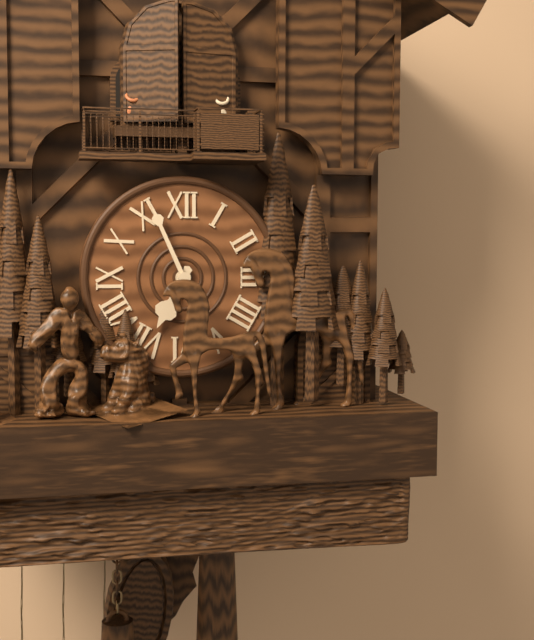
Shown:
**6:56**
